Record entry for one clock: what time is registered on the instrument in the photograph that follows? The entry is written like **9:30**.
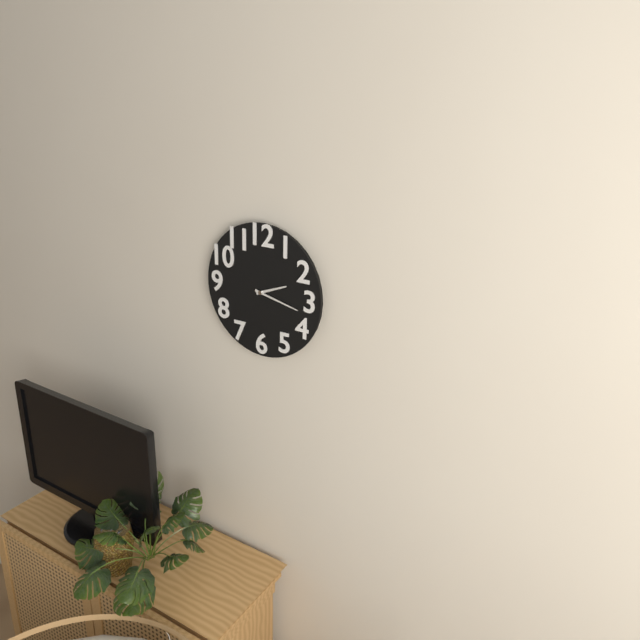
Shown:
**2:17**
